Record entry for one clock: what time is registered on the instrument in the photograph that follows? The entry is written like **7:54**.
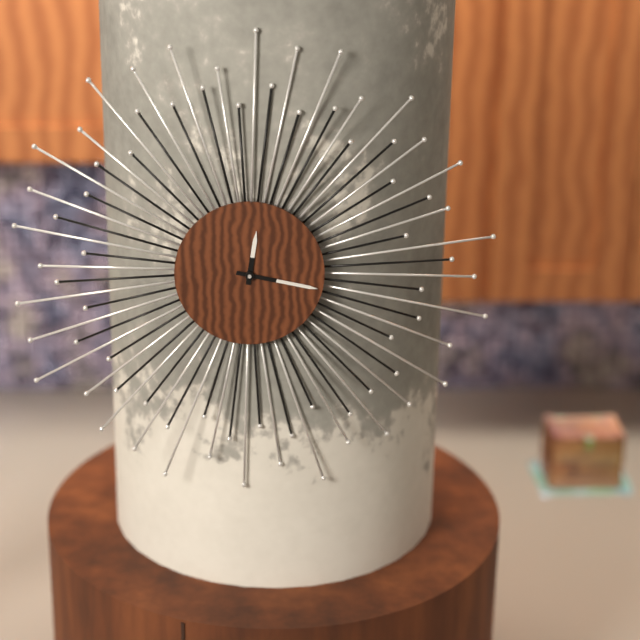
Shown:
**12:17**
